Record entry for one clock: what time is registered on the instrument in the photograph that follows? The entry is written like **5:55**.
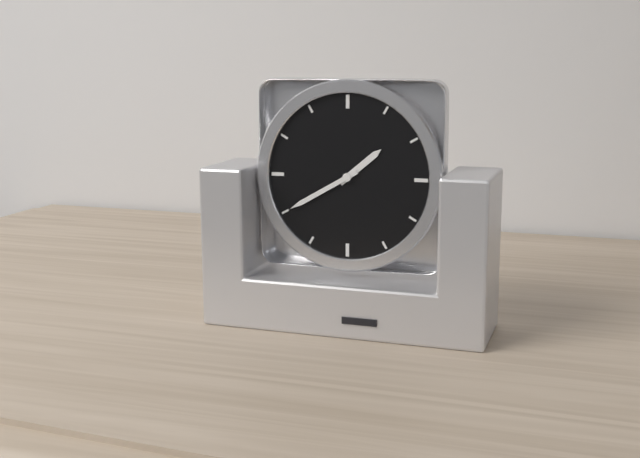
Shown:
**1:40**
